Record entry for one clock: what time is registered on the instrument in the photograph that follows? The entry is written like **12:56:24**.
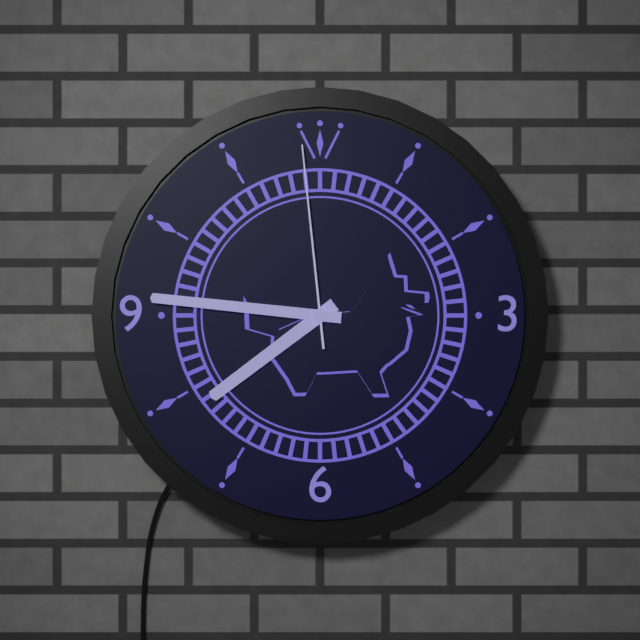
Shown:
**7:46:59**
